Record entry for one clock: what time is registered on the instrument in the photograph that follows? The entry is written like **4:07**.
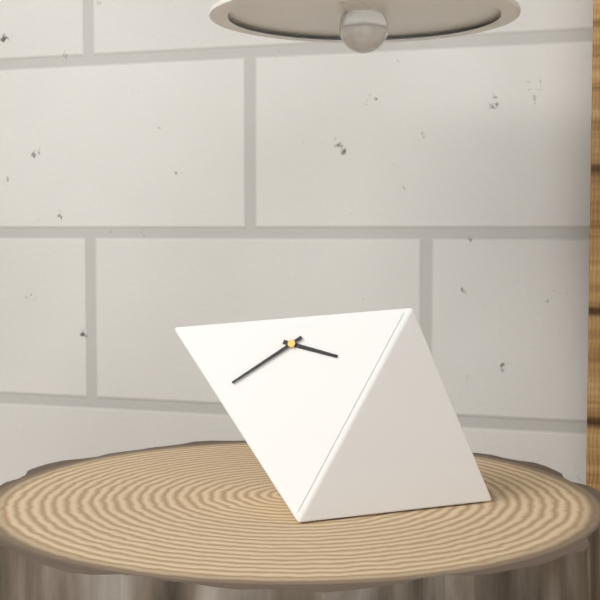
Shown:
**3:40**
